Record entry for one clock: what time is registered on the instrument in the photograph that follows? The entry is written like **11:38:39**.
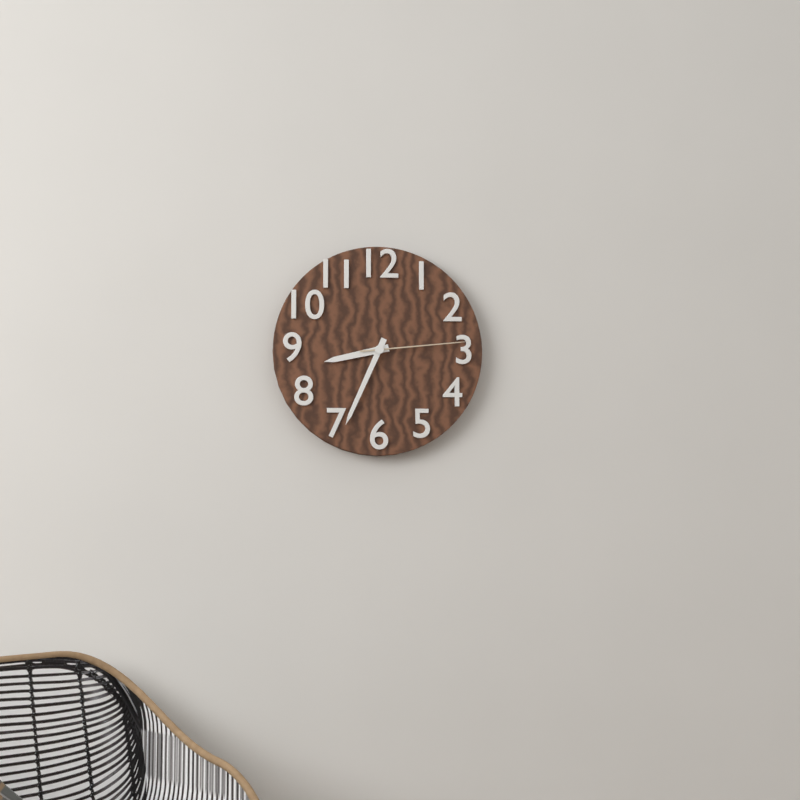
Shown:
**8:34:14**
